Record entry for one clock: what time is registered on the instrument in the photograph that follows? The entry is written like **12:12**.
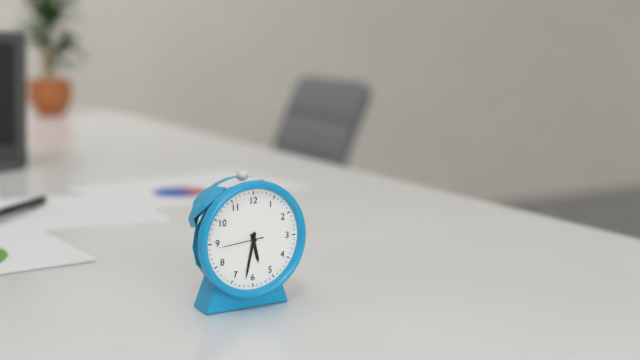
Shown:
**5:32**
